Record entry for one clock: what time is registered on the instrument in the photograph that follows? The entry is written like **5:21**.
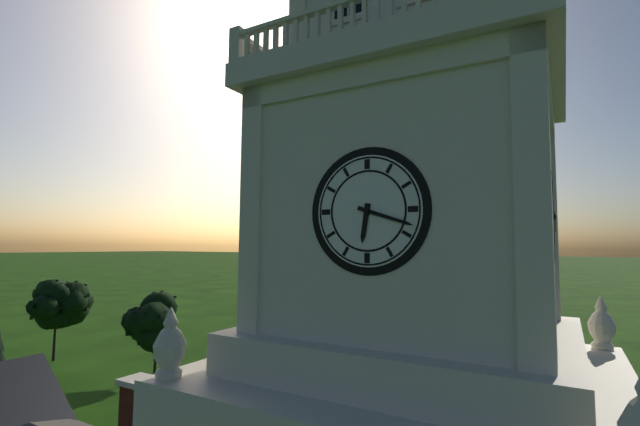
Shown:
**6:18**
